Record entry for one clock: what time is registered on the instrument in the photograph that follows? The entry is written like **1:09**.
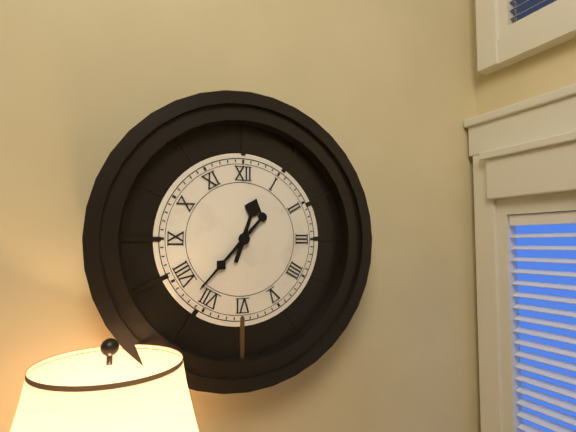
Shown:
**12:37**
